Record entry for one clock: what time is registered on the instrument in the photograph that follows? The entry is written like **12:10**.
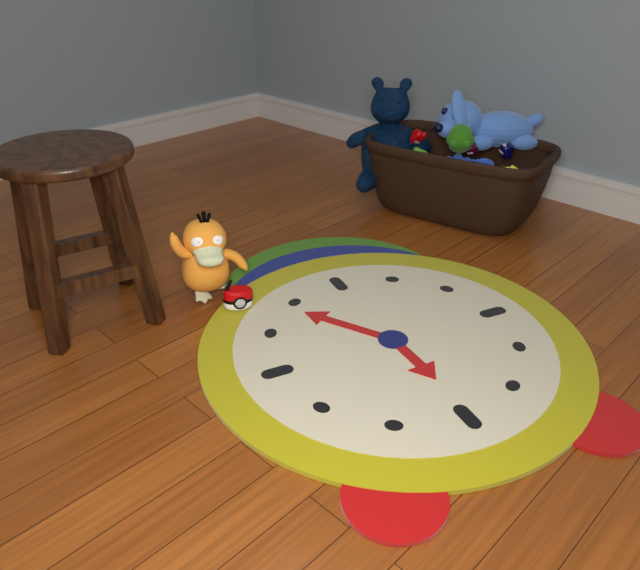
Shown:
**5:54**
